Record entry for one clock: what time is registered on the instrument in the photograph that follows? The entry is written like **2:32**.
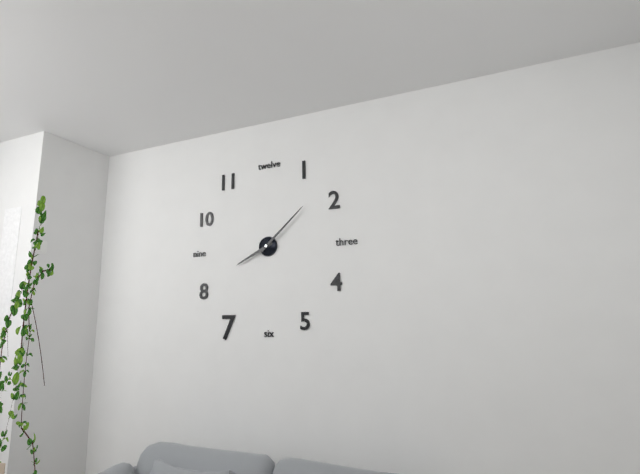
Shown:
**8:08**
